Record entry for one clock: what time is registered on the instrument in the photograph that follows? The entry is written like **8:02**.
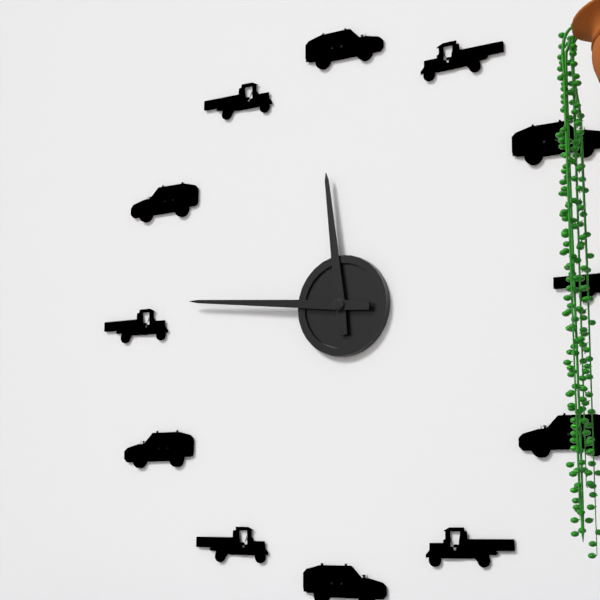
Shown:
**11:46**
